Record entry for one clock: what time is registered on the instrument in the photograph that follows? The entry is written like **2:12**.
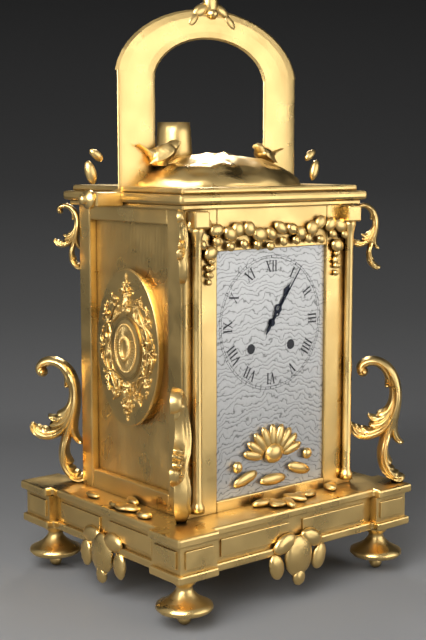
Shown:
**1:06**
